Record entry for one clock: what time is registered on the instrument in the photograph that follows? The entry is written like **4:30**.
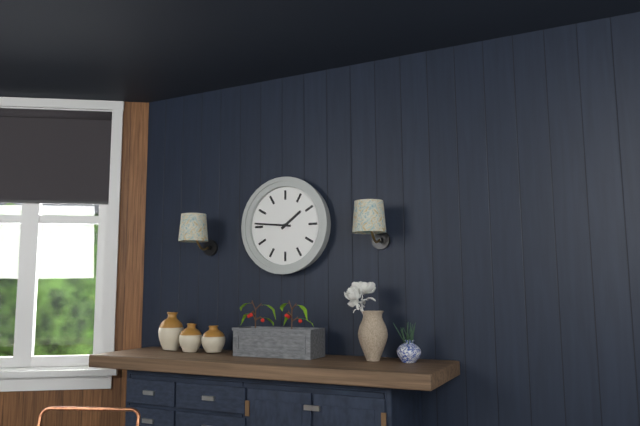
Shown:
**1:46**
